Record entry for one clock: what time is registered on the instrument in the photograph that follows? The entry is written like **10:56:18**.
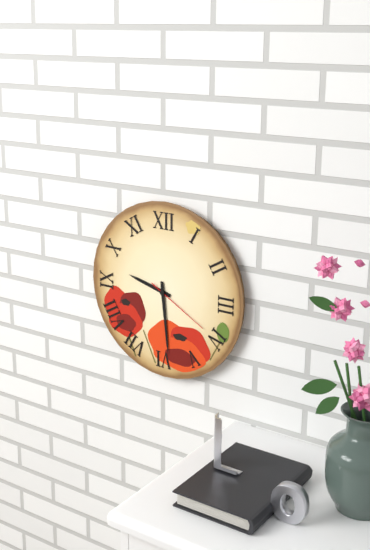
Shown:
**9:29:20**
